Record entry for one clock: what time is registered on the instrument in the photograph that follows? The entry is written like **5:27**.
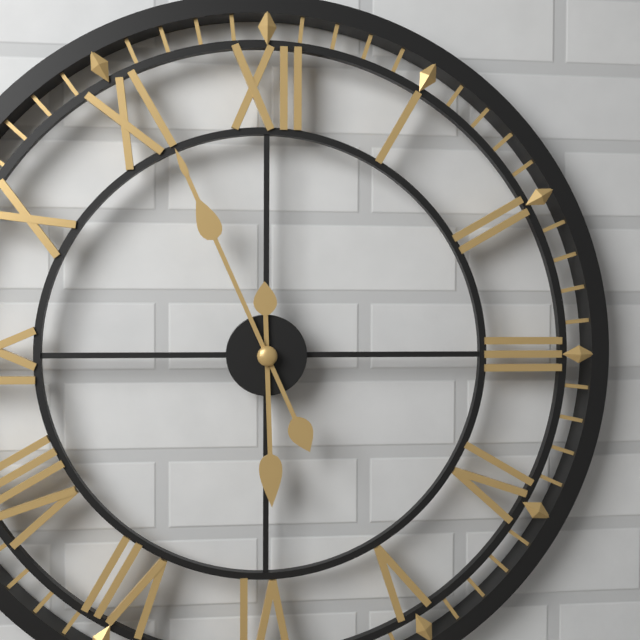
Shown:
**5:56**
